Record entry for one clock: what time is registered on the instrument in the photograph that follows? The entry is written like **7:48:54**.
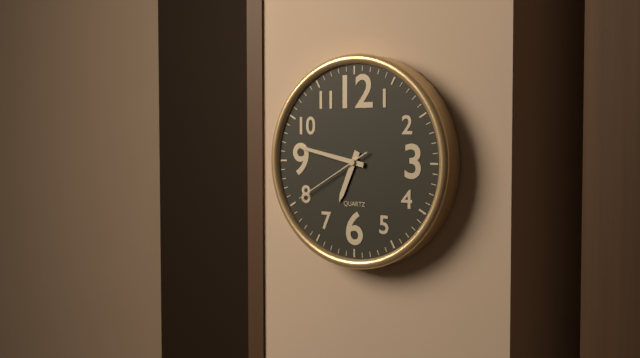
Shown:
**6:47:40**
